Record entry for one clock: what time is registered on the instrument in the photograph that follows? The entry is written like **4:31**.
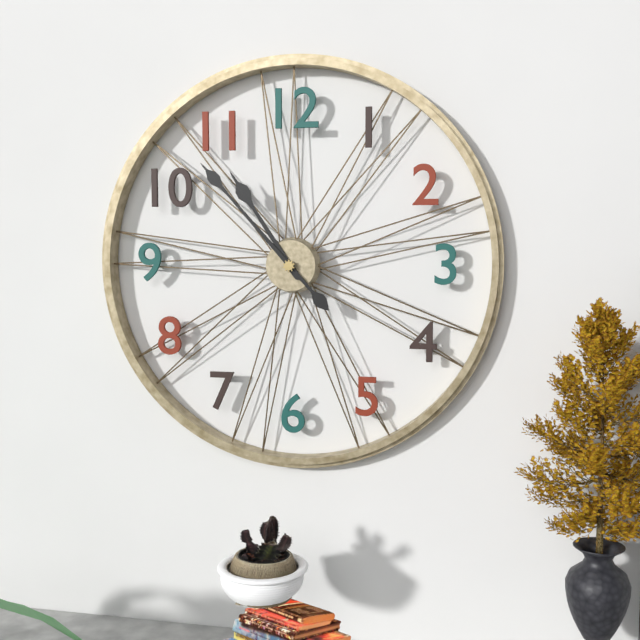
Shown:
**10:53**
